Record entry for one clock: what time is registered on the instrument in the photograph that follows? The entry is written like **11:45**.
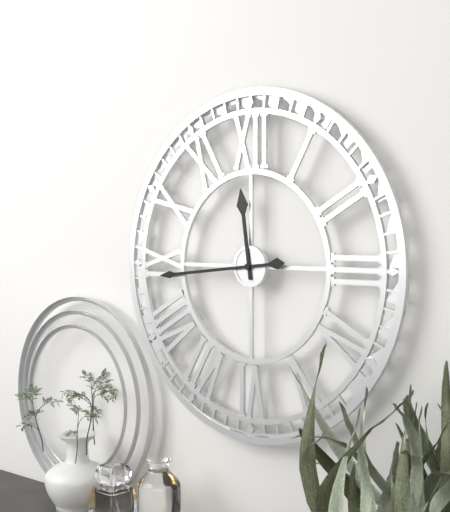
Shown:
**11:44**
